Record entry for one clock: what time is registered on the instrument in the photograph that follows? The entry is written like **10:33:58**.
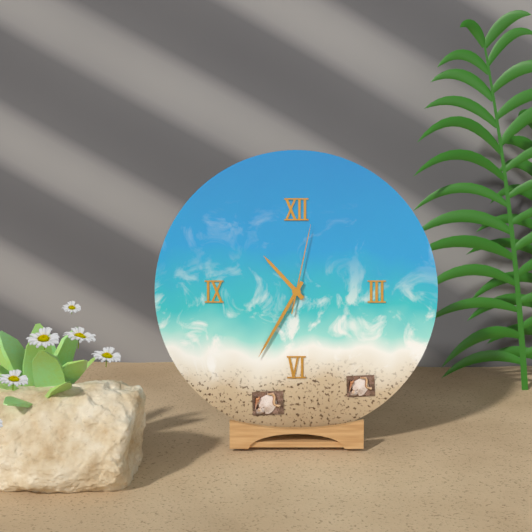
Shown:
**10:35:02**
